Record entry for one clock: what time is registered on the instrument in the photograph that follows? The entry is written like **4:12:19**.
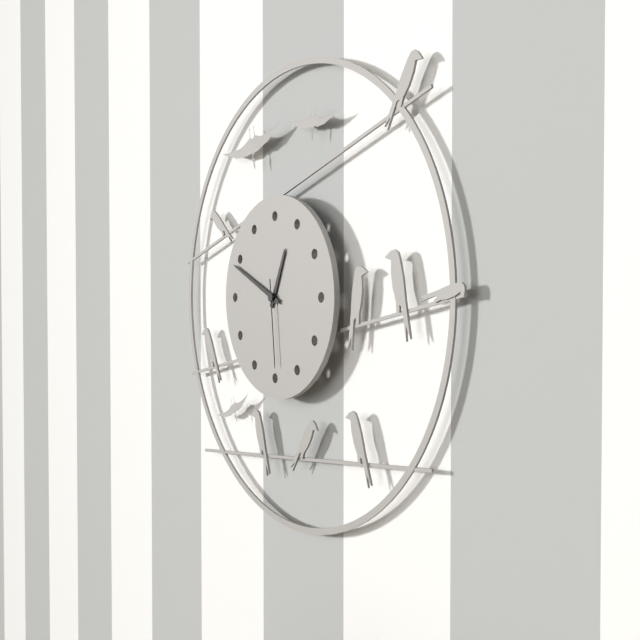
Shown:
**12:49:29**
